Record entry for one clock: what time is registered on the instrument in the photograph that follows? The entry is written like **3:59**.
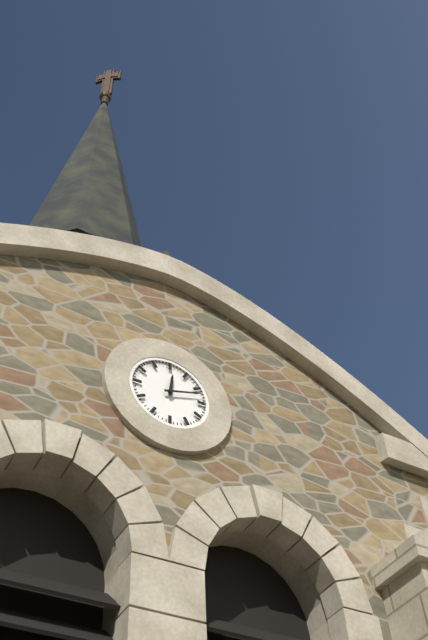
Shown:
**12:12**
